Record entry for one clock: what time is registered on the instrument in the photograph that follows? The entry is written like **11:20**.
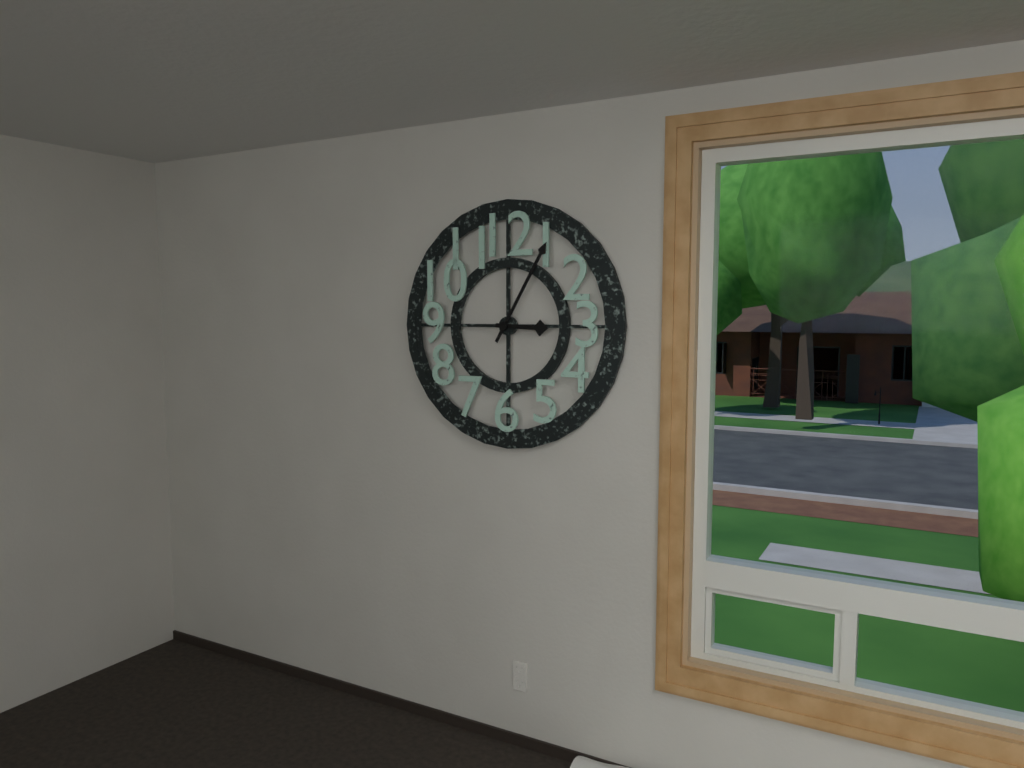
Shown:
**3:05**
